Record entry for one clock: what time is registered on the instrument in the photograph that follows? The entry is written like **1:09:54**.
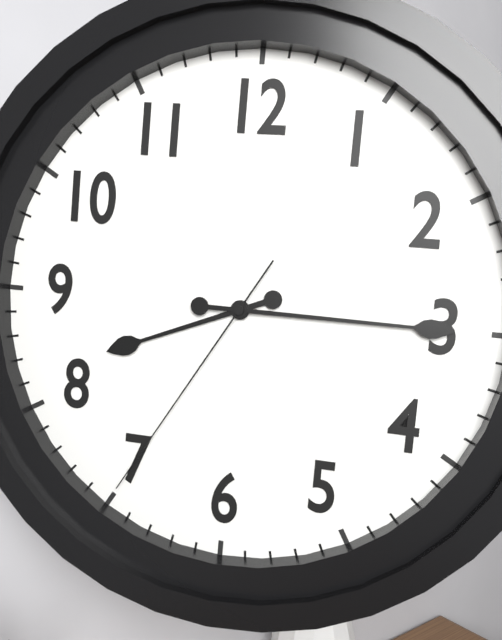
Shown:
**8:15:35**
